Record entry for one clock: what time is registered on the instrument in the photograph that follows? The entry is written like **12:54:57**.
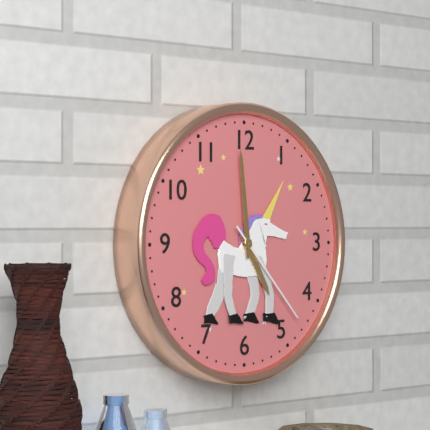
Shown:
**4:59:23**
